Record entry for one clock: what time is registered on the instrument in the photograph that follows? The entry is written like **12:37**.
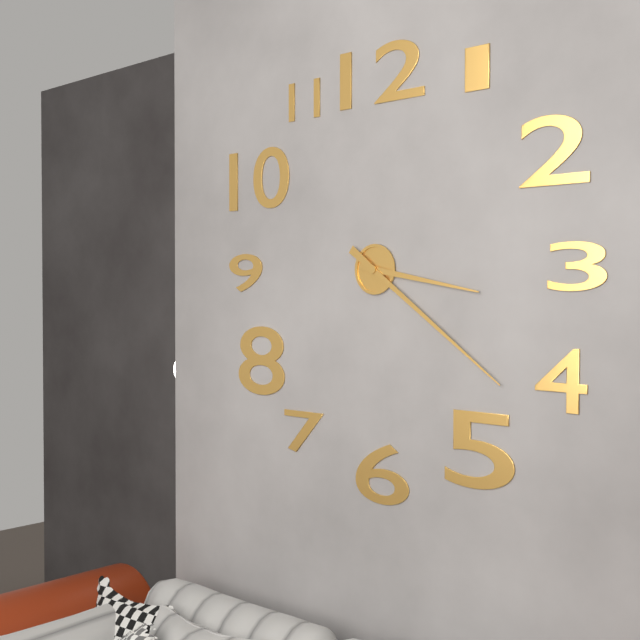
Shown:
**3:21**
